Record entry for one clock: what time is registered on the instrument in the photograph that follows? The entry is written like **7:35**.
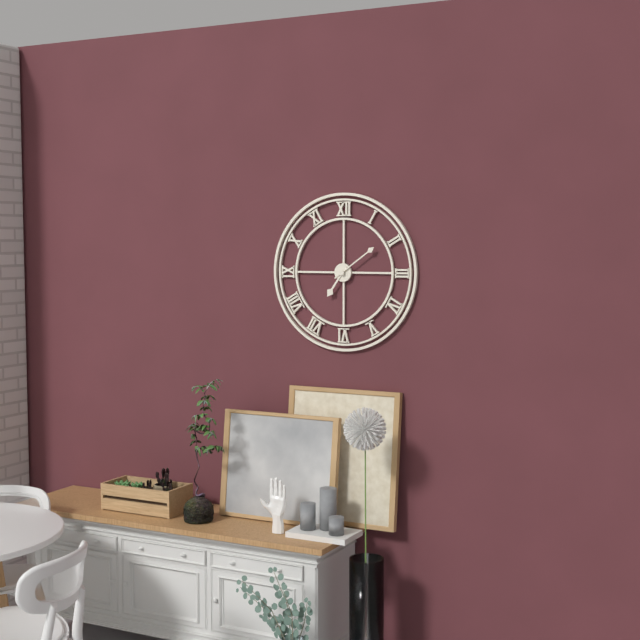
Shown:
**7:09**
